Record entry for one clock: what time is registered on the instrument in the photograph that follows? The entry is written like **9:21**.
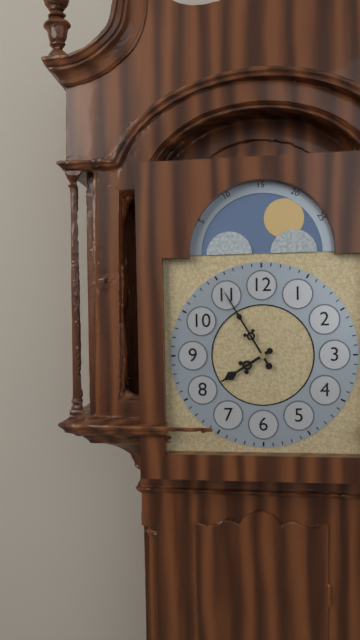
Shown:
**7:55**
